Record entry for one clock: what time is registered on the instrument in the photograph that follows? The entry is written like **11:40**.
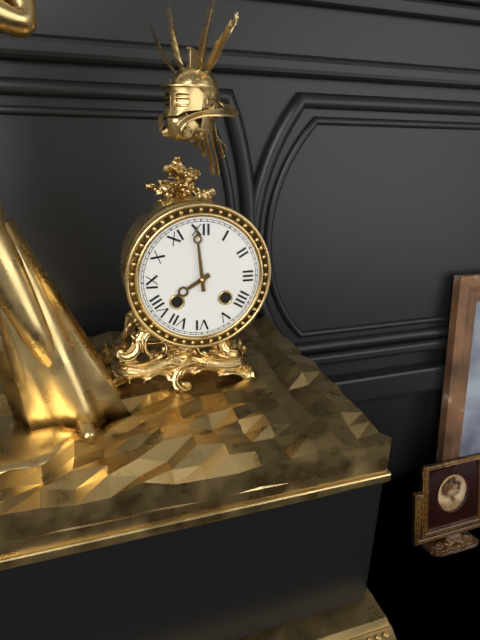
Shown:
**7:59**
